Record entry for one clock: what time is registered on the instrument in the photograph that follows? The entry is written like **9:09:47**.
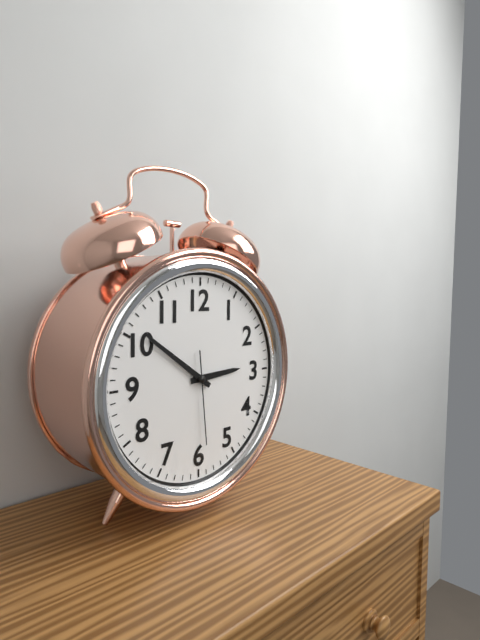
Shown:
**2:51:29**
